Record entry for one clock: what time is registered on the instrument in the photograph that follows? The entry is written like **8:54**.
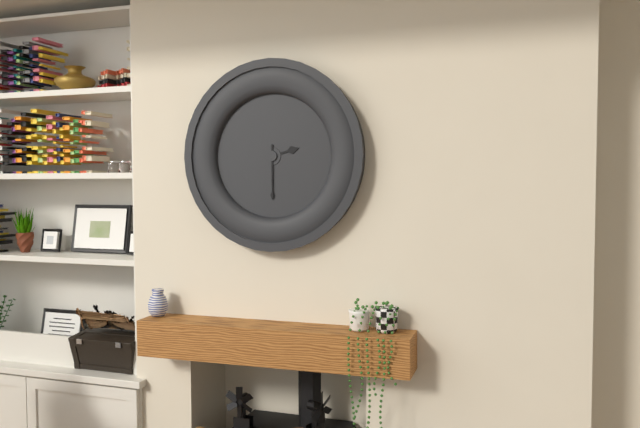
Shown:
**2:30**
